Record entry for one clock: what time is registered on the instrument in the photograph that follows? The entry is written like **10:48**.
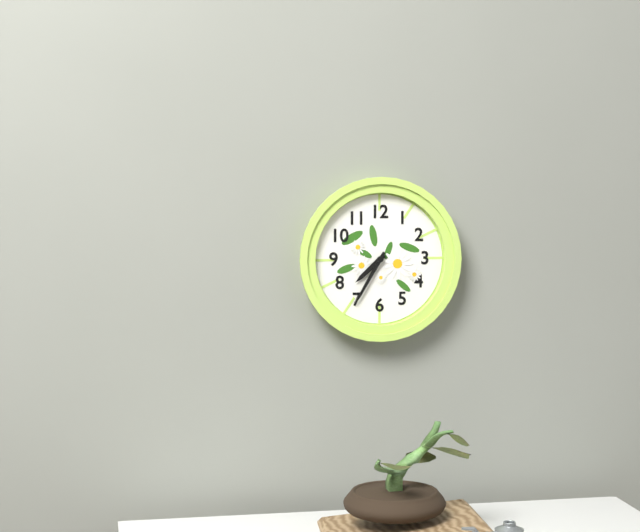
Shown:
**7:35**
